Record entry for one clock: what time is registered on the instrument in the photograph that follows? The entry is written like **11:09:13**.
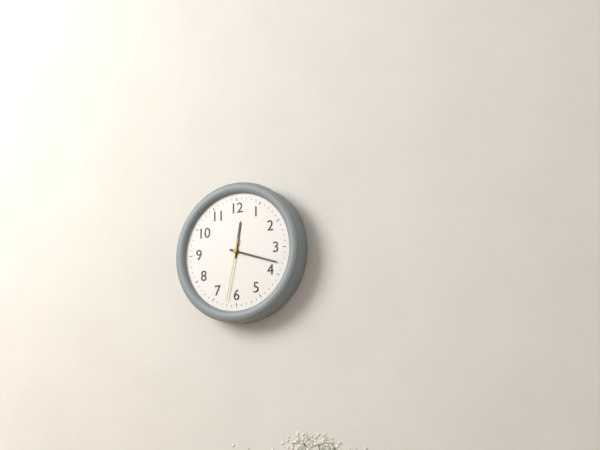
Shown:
**12:18:32**
